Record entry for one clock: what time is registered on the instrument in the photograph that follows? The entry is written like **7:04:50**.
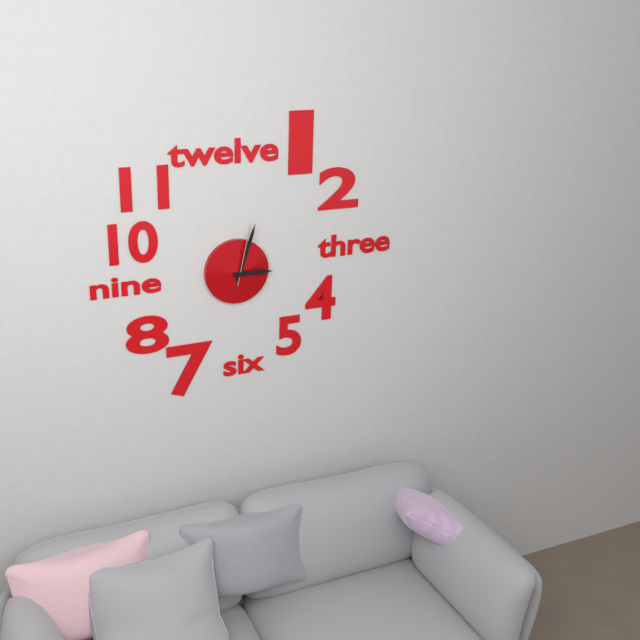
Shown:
**3:03:02**
